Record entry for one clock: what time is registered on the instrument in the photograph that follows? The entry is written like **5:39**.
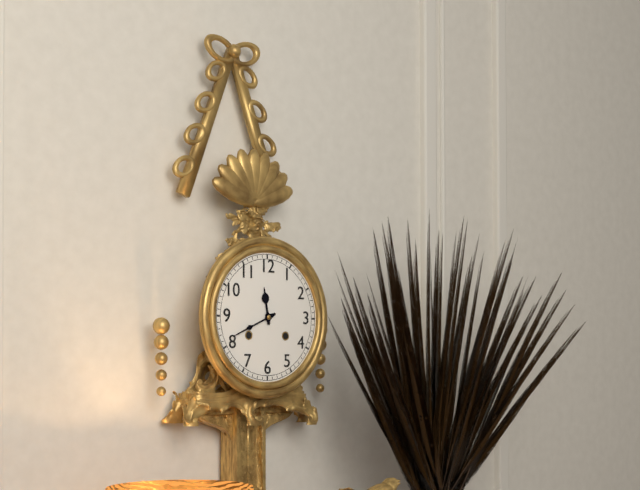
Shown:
**11:41**
